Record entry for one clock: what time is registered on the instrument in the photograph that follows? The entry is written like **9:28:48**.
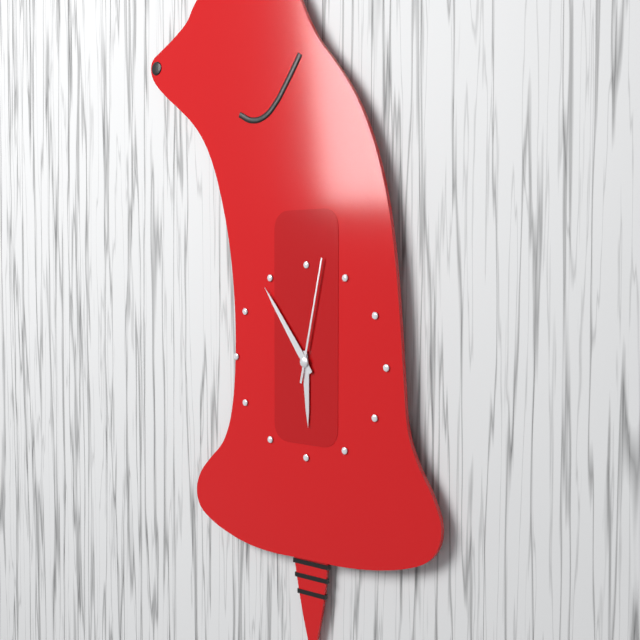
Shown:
**5:54:02**
